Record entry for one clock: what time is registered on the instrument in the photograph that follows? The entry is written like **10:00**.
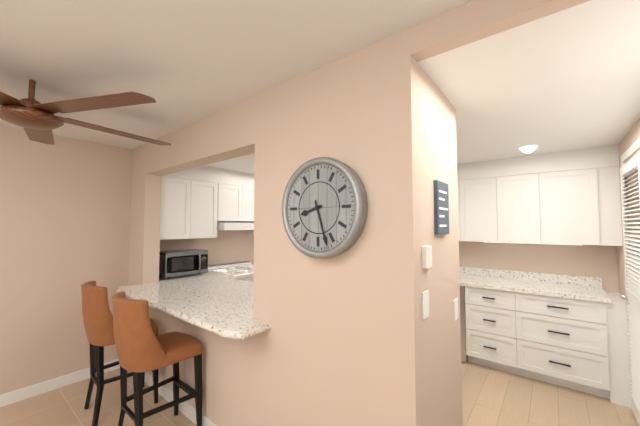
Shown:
**8:27**
